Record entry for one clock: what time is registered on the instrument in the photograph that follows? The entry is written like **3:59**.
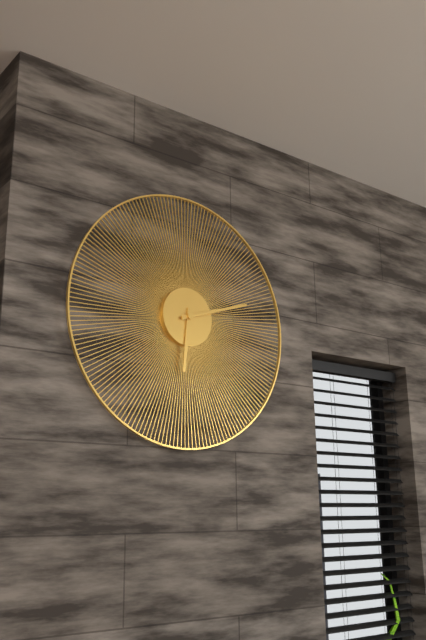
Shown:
**6:12**
